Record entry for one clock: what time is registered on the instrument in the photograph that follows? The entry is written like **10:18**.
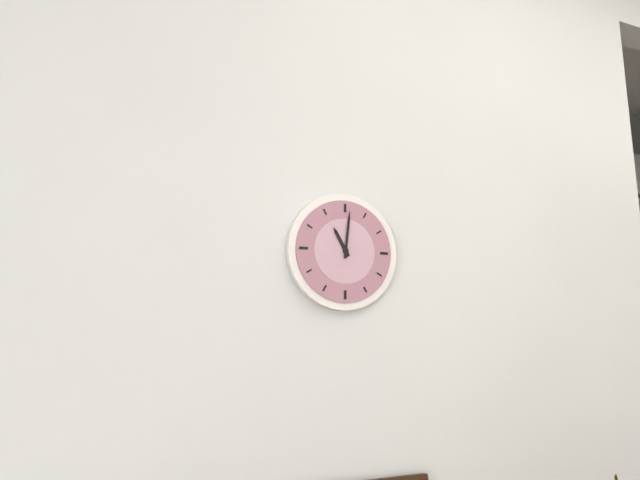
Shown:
**11:01**
